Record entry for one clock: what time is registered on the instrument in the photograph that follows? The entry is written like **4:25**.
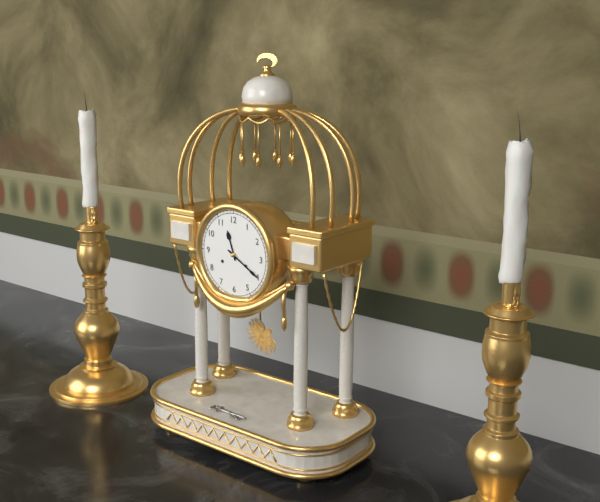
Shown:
**11:20**
